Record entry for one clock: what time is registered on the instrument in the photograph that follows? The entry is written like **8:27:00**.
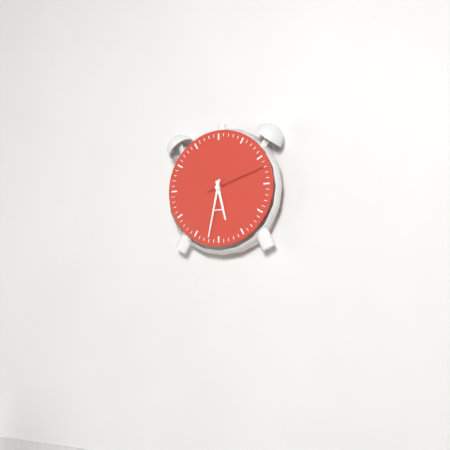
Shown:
**5:32:12**
